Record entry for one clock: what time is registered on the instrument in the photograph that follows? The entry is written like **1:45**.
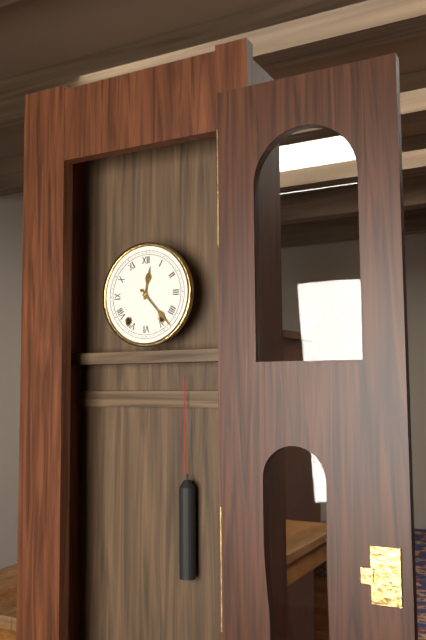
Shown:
**12:23**
